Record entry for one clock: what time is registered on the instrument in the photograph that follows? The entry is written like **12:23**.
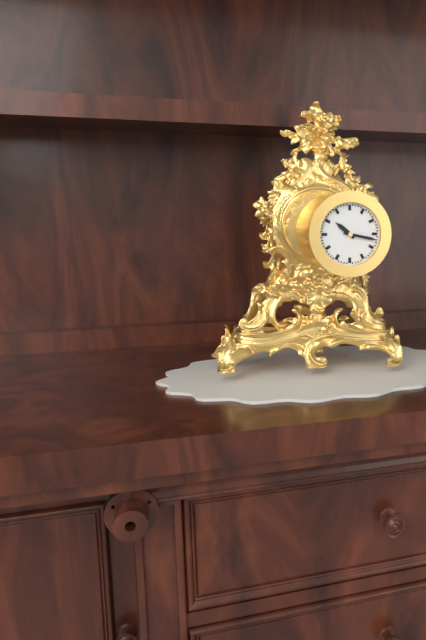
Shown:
**10:17**
